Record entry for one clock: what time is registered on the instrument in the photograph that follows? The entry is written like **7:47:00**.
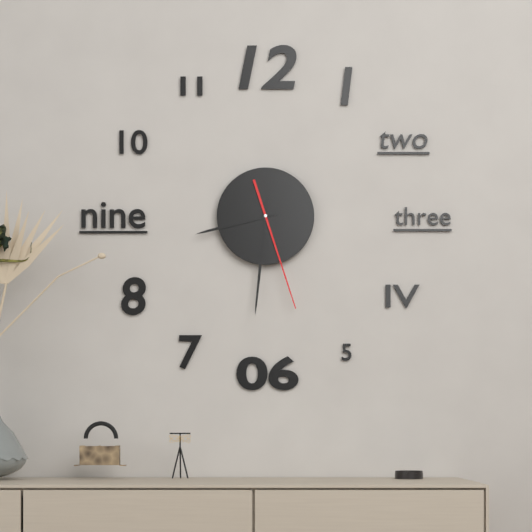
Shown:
**8:31:27**
